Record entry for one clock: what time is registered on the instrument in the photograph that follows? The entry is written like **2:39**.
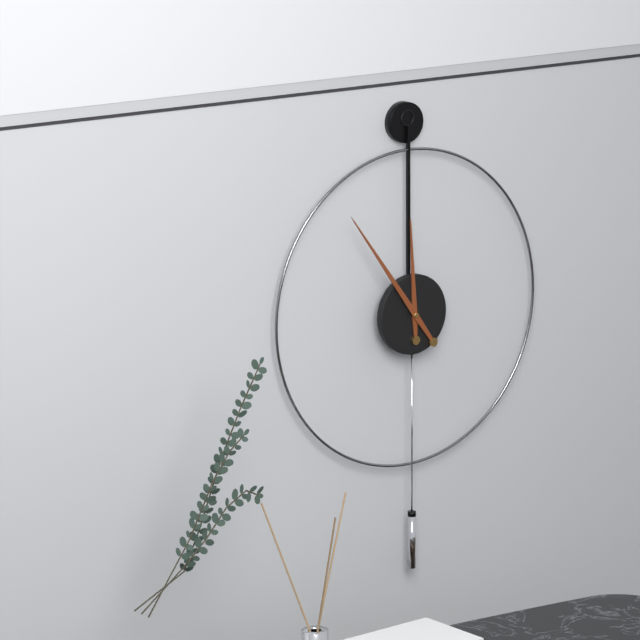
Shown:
**11:54**
